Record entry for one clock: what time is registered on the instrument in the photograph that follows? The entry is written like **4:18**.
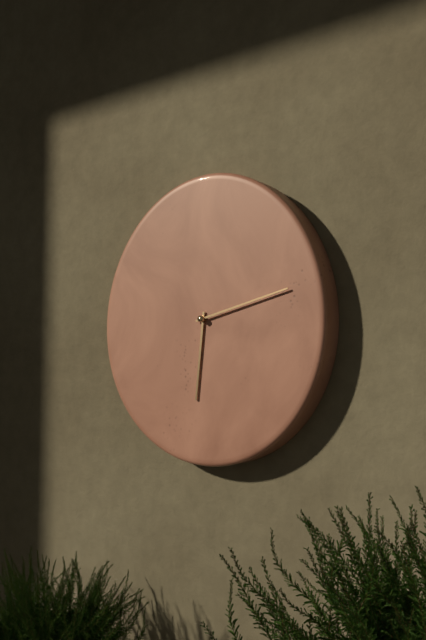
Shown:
**6:13**
